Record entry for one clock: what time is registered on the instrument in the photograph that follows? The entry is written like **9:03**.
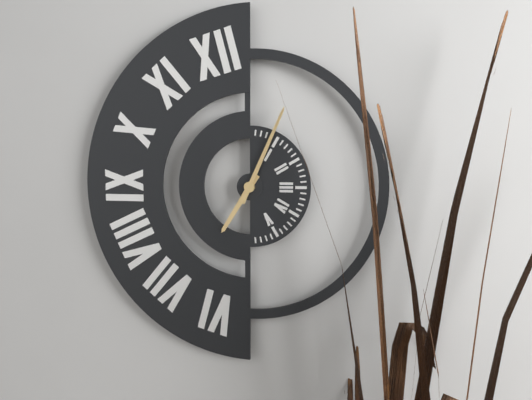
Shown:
**7:04**
